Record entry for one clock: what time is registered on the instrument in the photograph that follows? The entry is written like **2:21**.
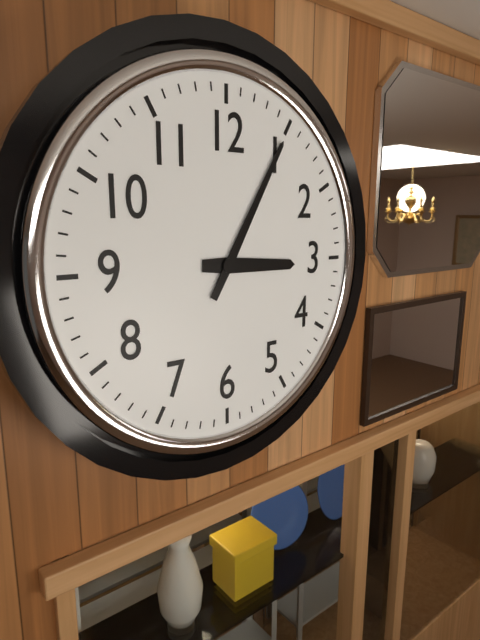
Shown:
**3:05**
